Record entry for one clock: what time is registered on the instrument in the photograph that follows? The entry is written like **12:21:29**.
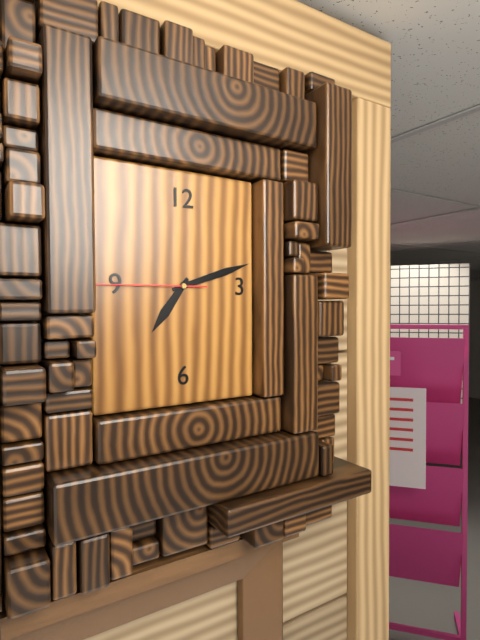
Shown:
**7:12:45**
